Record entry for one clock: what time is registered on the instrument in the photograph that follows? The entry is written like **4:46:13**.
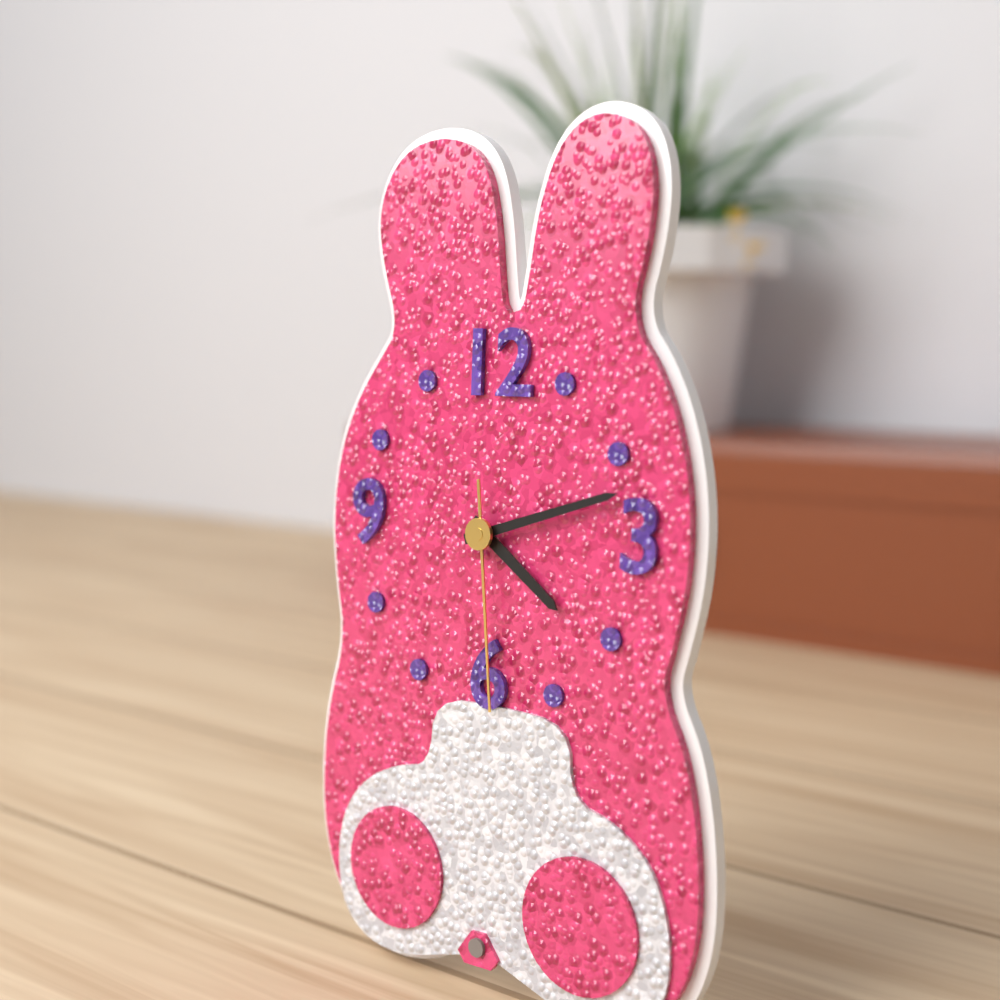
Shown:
**4:12:29**
